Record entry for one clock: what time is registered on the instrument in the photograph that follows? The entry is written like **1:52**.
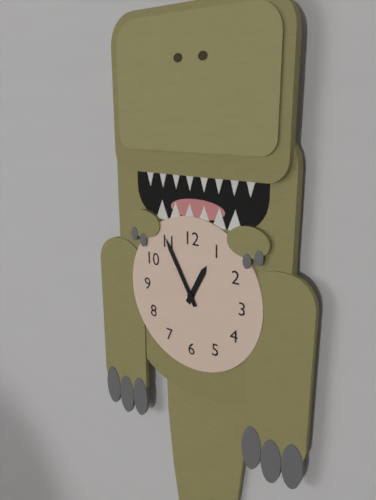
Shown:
**12:55**
